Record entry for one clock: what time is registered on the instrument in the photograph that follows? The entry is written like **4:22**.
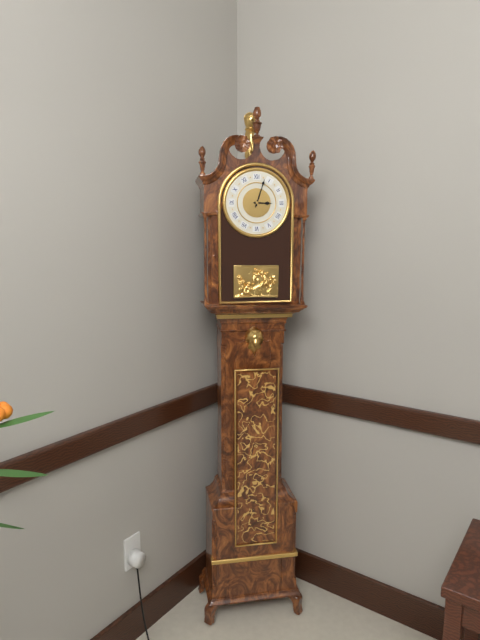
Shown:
**3:03**
